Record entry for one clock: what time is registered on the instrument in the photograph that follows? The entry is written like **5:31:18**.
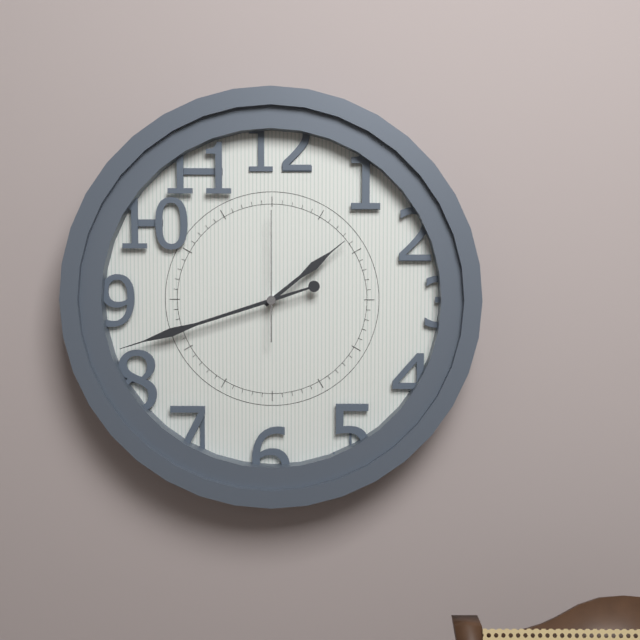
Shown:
**1:42:00**
